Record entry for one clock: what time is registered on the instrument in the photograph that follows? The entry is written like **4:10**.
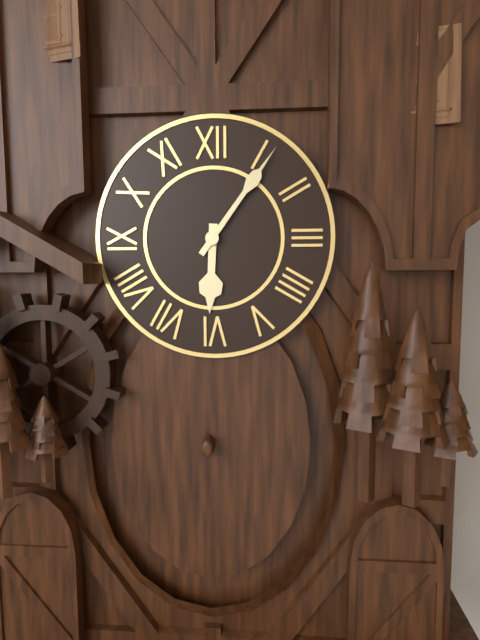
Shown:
**6:06**
